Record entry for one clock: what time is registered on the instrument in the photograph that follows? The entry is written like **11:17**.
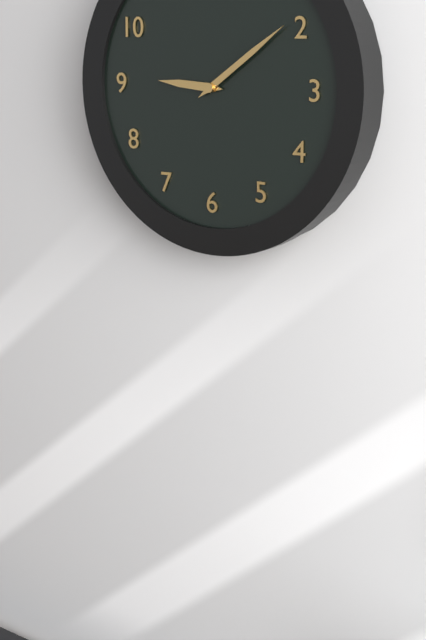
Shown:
**9:09**
